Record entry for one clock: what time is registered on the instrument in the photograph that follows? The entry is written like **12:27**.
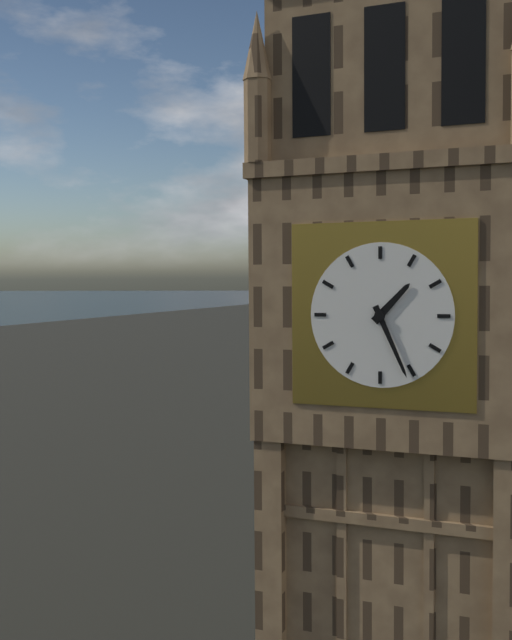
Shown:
**1:26**
